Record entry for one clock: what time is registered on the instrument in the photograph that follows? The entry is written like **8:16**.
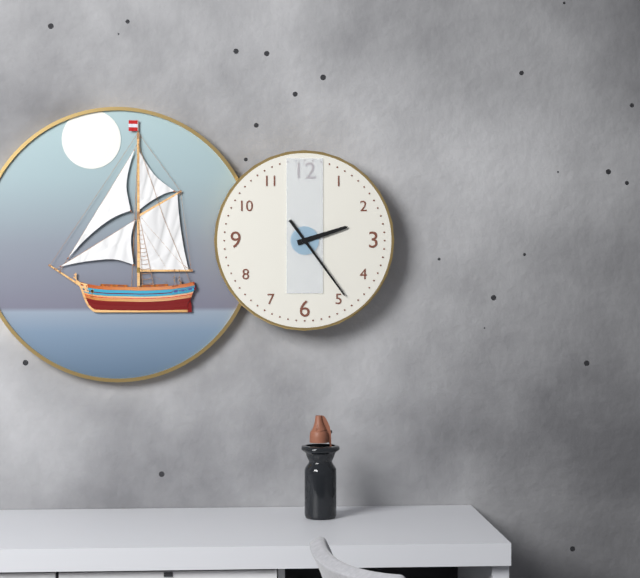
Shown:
**2:24**
